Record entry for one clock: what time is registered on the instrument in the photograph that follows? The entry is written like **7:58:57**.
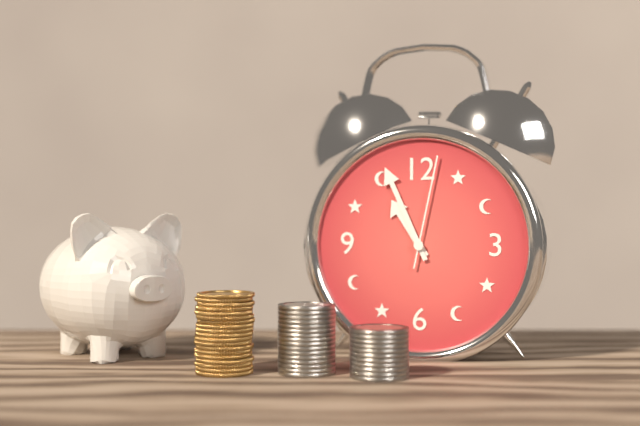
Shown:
**10:56:02**
